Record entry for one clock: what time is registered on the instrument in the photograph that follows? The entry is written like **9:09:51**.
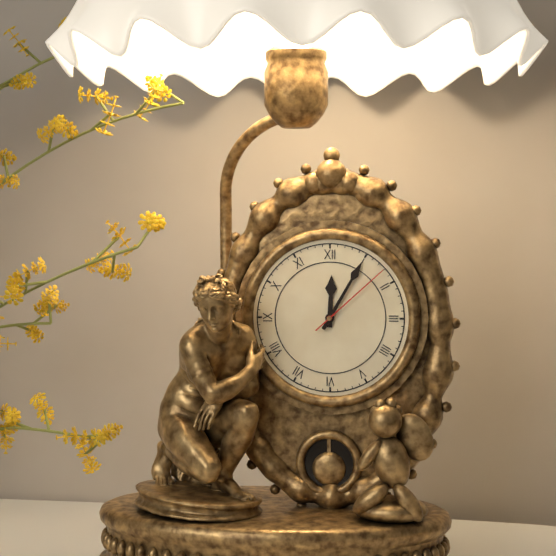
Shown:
**12:05:08**
